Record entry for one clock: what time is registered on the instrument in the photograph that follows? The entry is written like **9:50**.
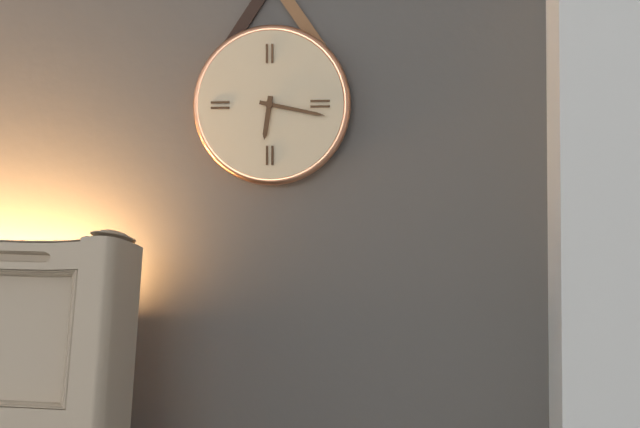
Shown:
**6:17**
